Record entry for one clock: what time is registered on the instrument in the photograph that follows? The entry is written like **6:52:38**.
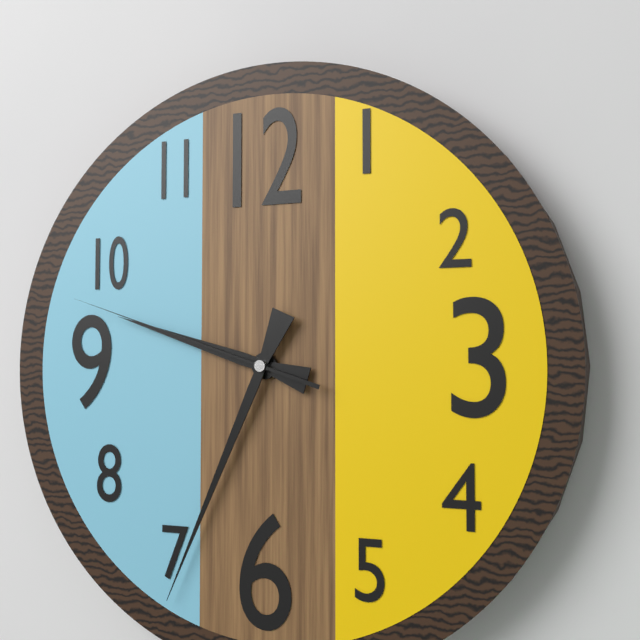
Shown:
**9:34:48**
